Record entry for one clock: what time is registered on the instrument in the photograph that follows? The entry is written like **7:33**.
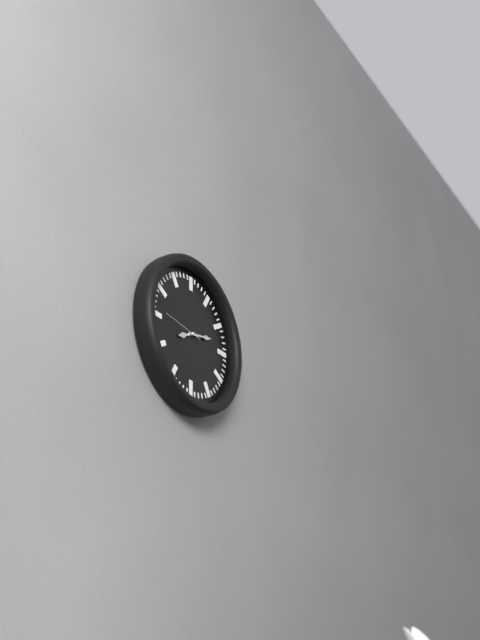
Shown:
**8:13**
